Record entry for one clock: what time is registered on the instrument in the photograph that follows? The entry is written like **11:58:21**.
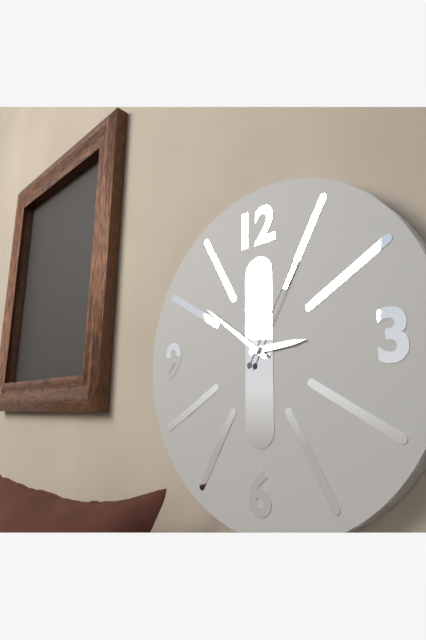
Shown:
**2:51:05**
